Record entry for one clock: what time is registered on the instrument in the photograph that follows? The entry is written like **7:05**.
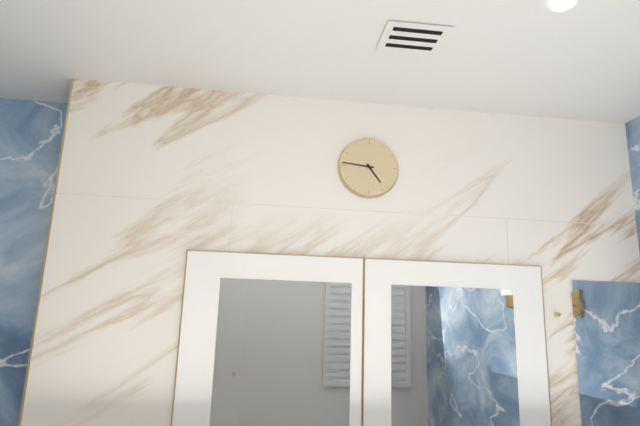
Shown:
**4:46**
